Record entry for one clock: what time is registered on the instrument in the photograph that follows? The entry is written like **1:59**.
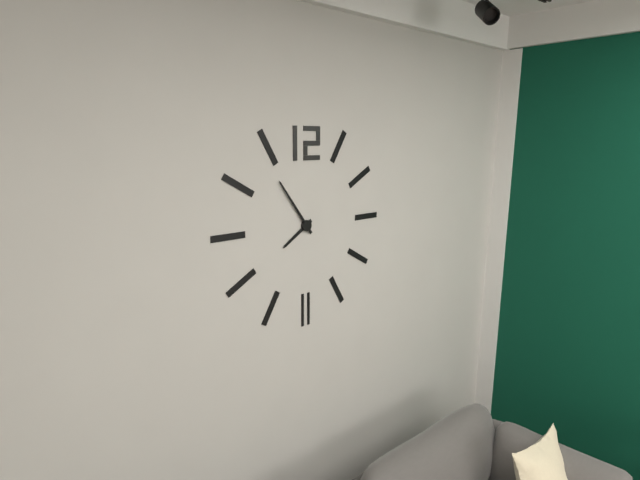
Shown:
**7:54**
